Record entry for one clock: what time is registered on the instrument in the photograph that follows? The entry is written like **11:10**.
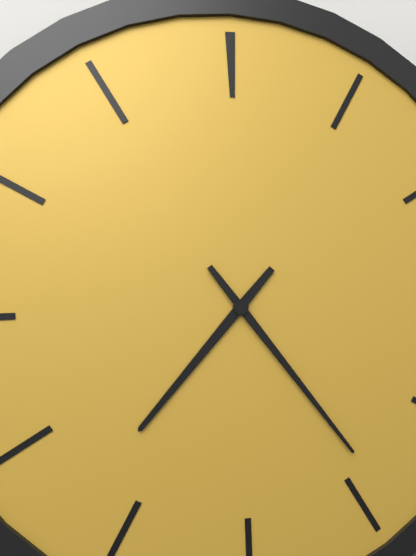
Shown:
**7:24**
